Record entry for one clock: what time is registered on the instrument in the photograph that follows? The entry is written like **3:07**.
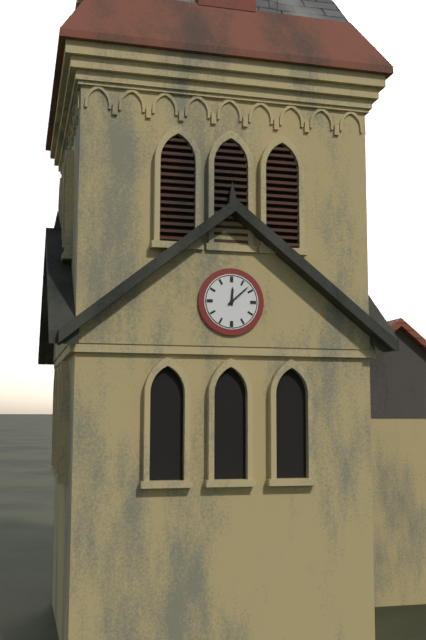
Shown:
**12:08**
